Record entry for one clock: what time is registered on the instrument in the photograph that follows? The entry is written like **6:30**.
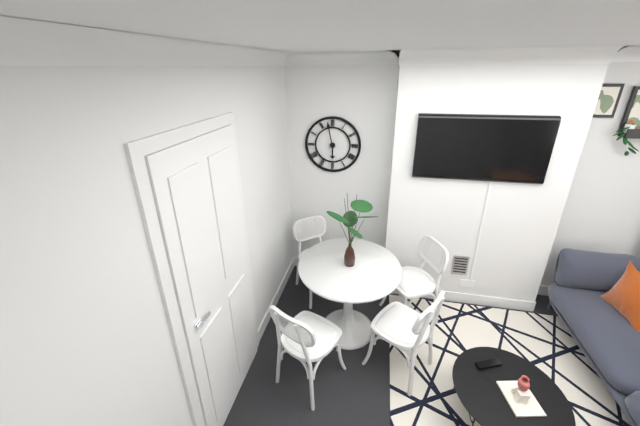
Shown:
**5:58**
